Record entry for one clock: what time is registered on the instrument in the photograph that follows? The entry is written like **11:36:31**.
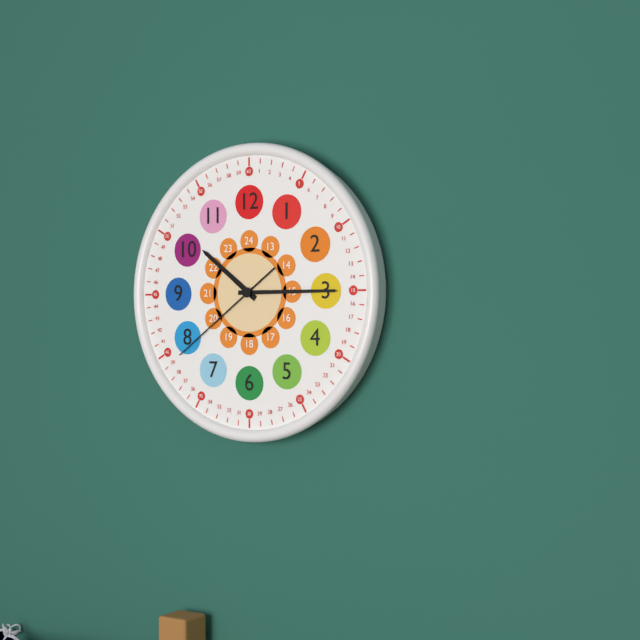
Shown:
**10:15:39**
